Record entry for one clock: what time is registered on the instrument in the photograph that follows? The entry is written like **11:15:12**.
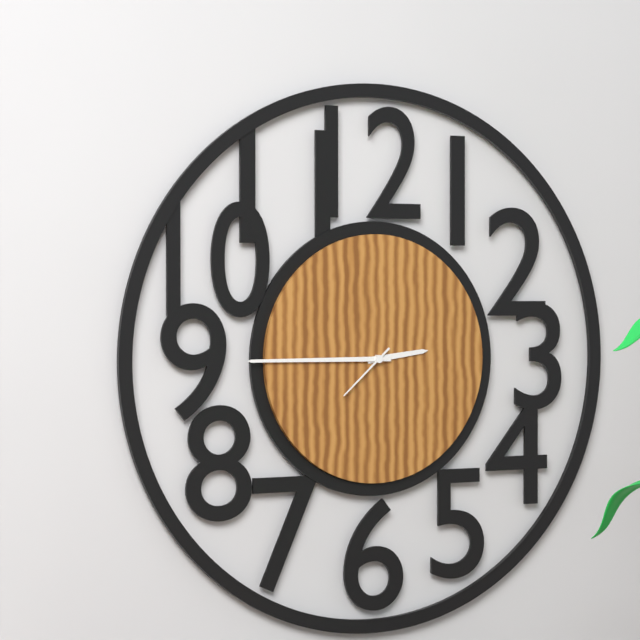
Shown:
**2:45:38**
